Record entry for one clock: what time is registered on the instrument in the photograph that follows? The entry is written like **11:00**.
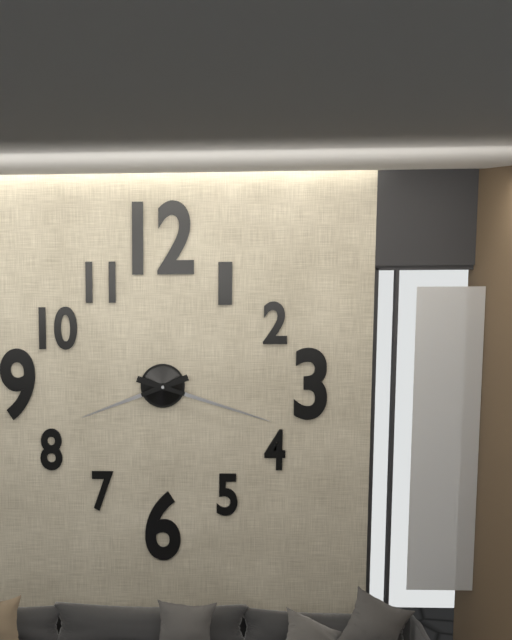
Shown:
**8:18**
